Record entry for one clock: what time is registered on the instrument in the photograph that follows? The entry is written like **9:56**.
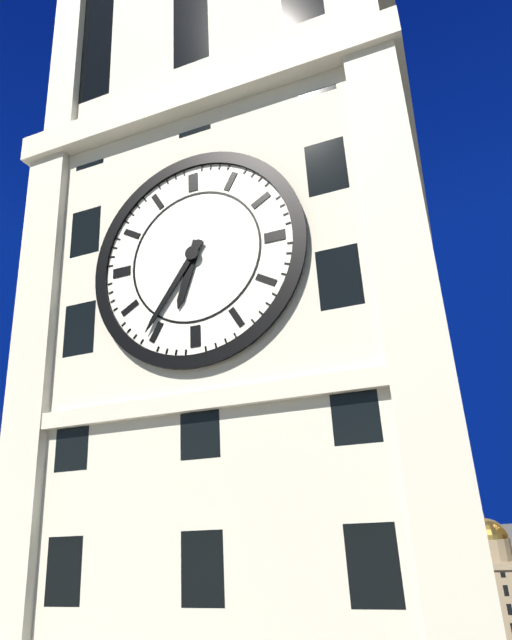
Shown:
**6:36**
